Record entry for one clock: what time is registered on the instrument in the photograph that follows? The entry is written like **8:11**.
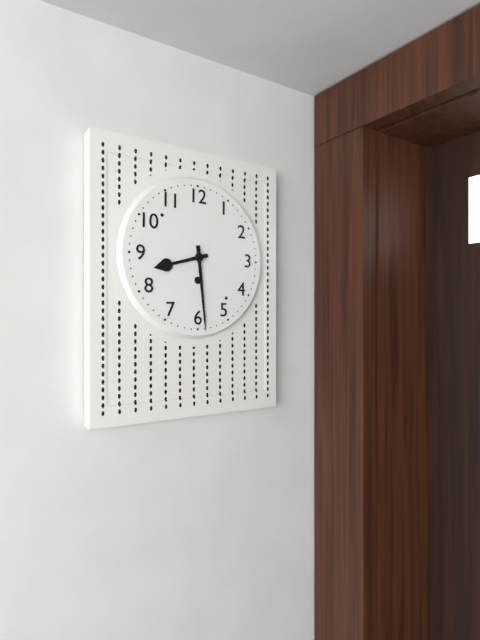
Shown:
**8:29**
